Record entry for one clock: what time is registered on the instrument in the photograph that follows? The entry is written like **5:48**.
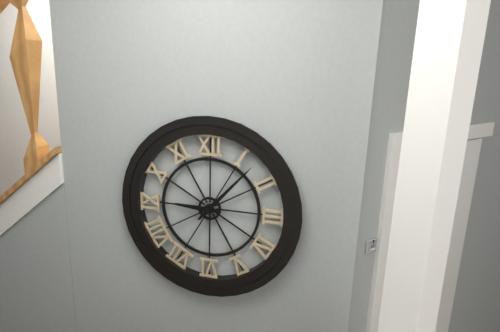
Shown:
**9:07**
